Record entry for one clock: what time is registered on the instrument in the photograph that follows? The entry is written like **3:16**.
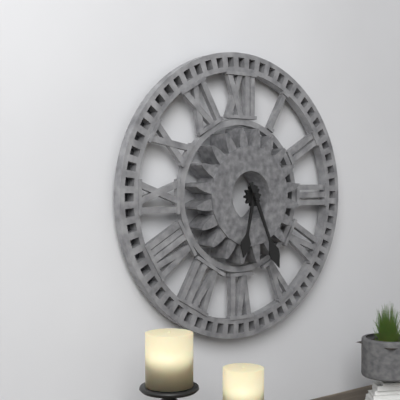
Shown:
**6:26**
